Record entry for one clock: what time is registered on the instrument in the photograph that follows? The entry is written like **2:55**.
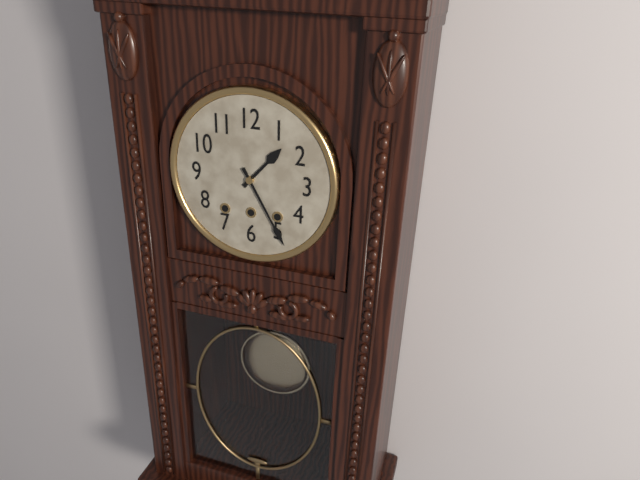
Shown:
**1:25**
